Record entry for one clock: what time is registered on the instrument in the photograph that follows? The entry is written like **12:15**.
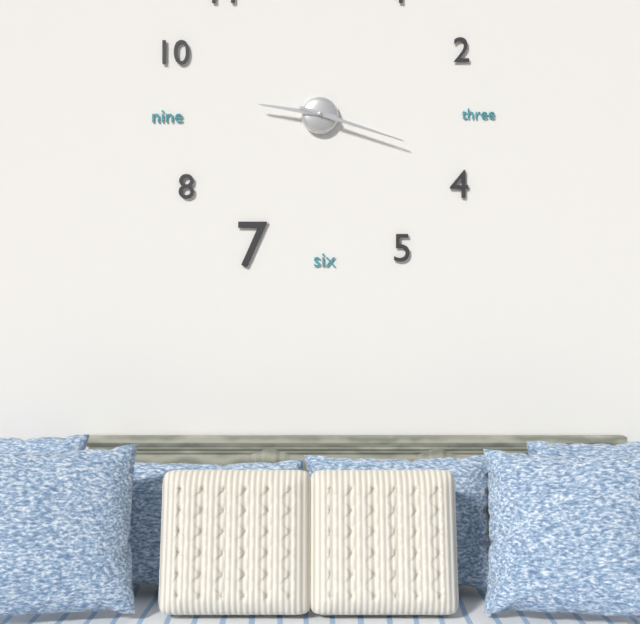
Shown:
**9:18**
